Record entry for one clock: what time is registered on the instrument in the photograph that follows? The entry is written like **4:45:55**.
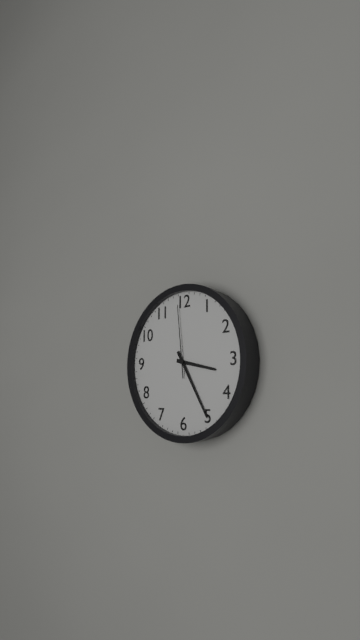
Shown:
**3:25:59**
